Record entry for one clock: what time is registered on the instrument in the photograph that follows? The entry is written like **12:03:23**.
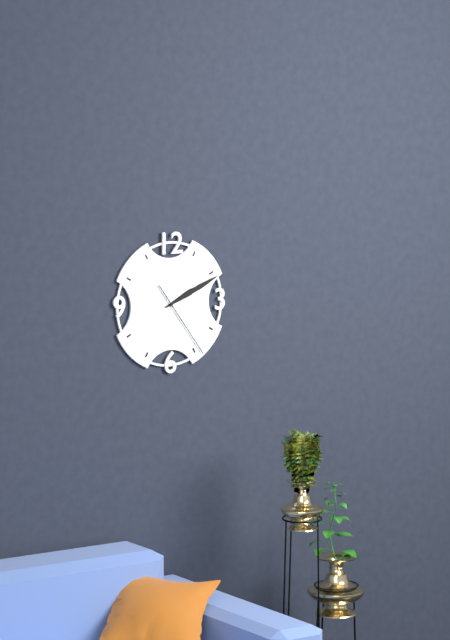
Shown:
**2:11:24**
